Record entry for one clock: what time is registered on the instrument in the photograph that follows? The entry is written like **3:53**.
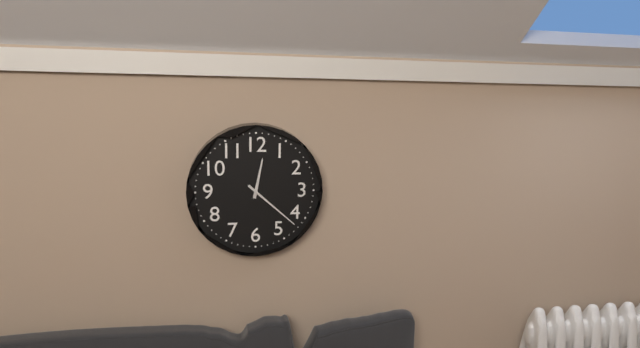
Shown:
**12:22**
